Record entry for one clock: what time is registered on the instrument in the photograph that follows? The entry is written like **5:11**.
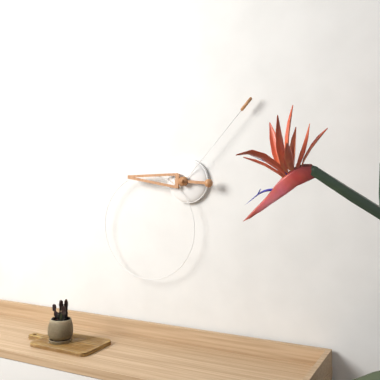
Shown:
**9:07**
